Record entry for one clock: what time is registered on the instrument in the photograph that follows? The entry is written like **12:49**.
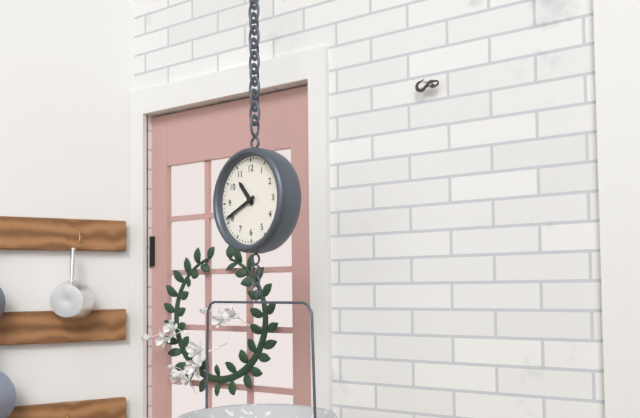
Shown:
**10:41**
